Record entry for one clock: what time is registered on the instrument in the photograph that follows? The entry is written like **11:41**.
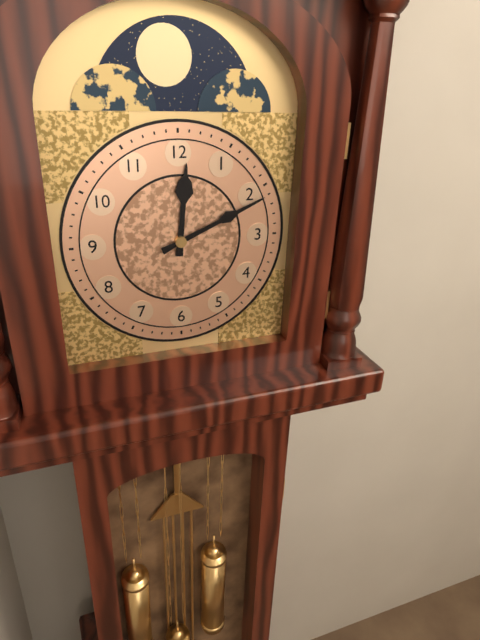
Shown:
**12:11**
